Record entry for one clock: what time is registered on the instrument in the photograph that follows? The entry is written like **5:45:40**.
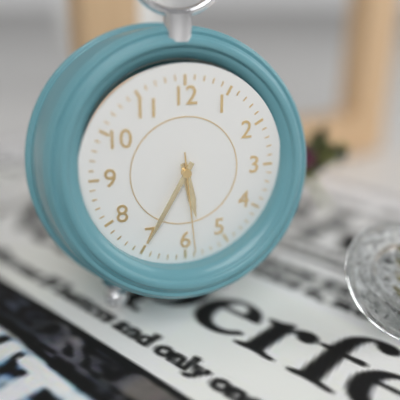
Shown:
**5:35:29**
